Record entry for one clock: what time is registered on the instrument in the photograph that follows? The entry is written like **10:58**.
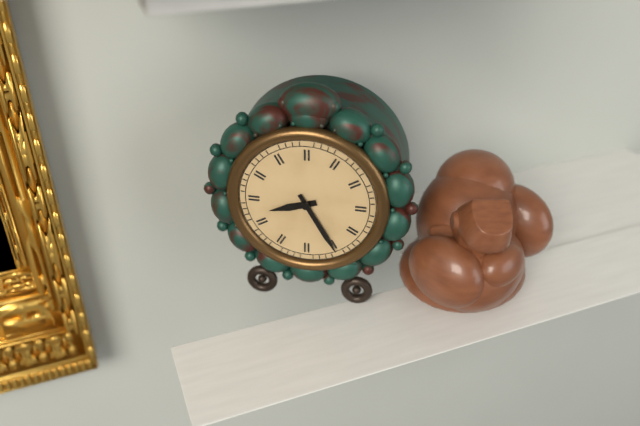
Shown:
**8:25**
